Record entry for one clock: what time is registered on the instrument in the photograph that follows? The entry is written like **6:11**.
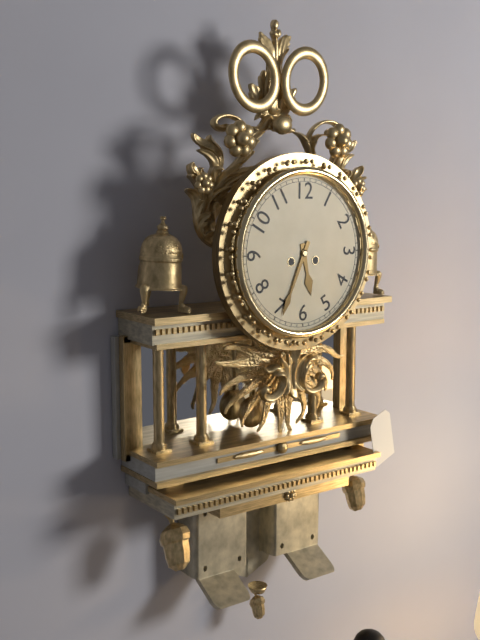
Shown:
**5:34**
